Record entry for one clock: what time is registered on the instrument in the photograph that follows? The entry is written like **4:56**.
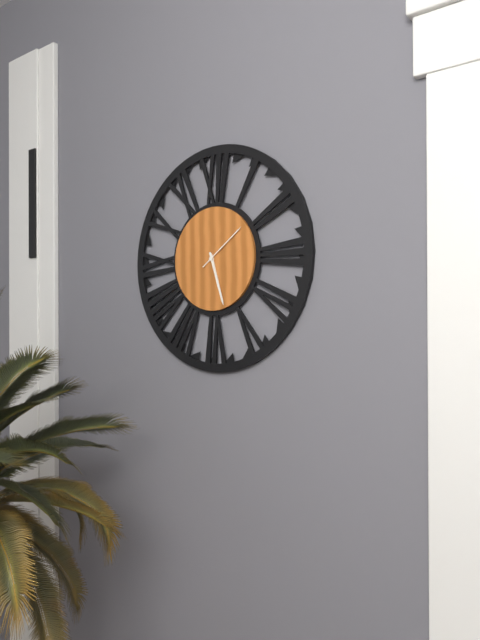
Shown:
**5:27**
